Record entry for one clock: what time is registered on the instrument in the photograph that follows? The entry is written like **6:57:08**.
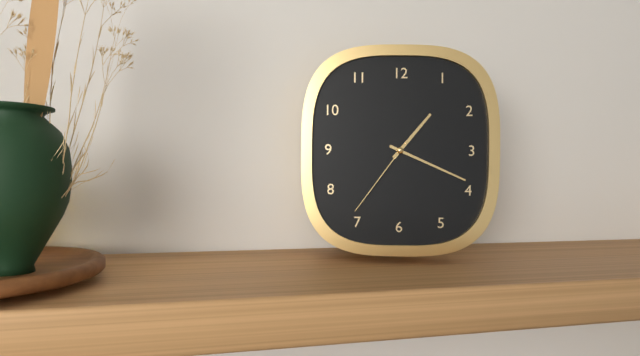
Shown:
**1:19:36**
